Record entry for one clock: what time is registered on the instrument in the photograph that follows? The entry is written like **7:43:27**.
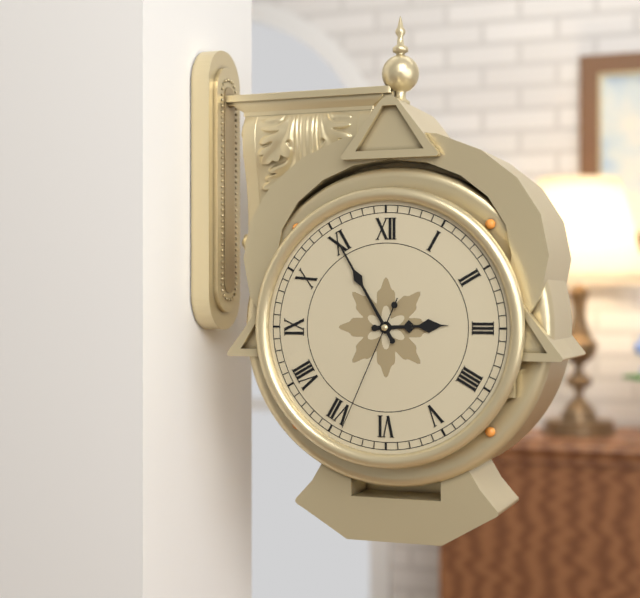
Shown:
**2:55:34**
